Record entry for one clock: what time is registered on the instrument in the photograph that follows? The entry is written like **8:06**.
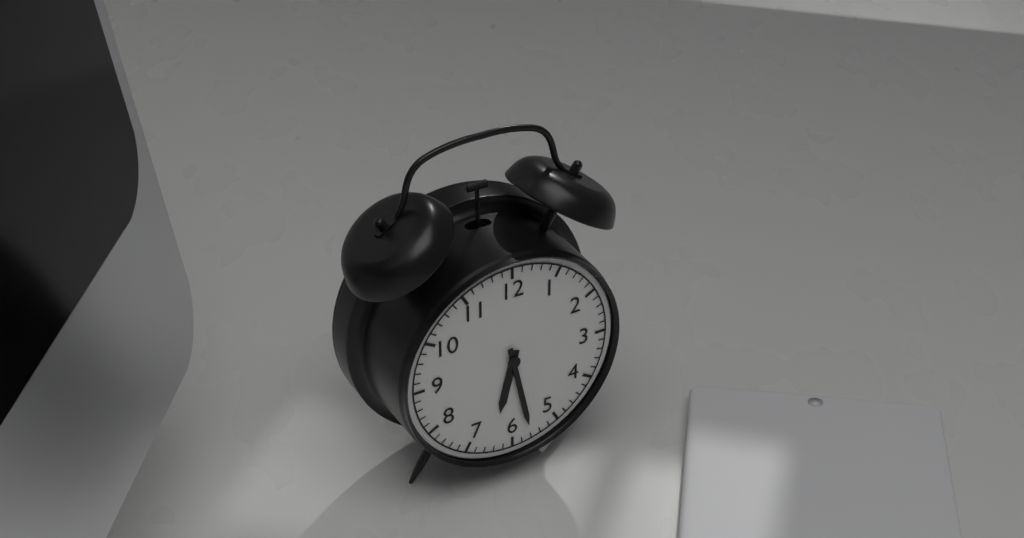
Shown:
**6:28**
